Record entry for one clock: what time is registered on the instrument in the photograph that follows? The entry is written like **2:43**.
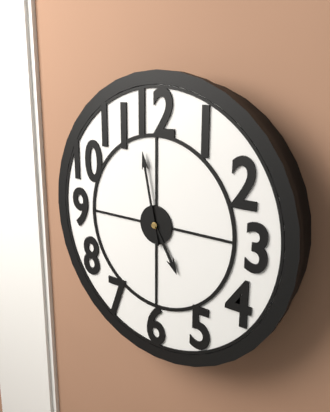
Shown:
**4:58**
